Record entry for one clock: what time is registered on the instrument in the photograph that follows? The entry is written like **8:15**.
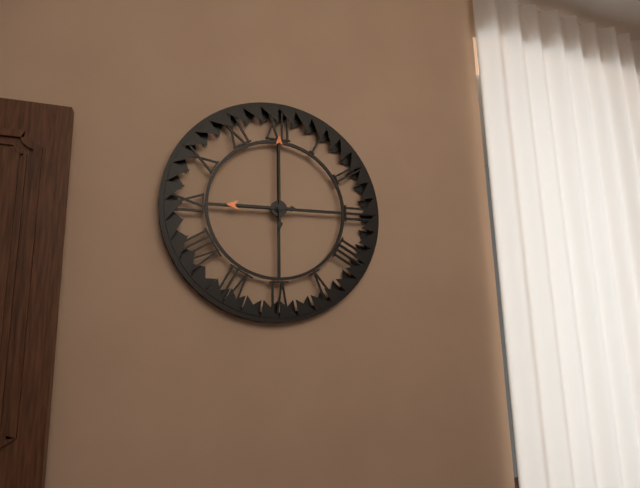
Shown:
**9:00**
